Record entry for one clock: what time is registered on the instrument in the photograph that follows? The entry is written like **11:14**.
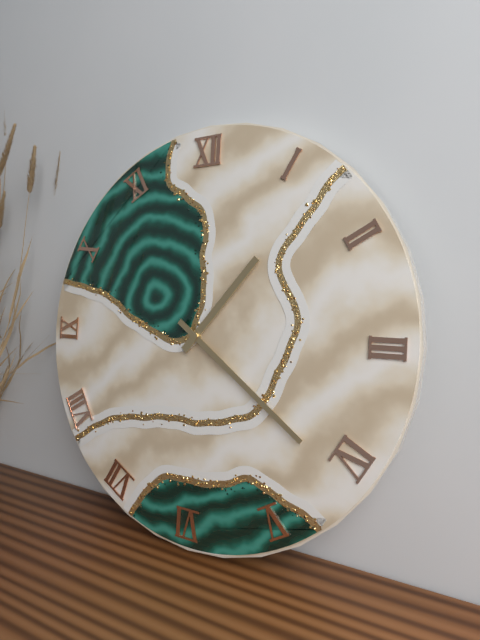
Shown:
**1:21**
